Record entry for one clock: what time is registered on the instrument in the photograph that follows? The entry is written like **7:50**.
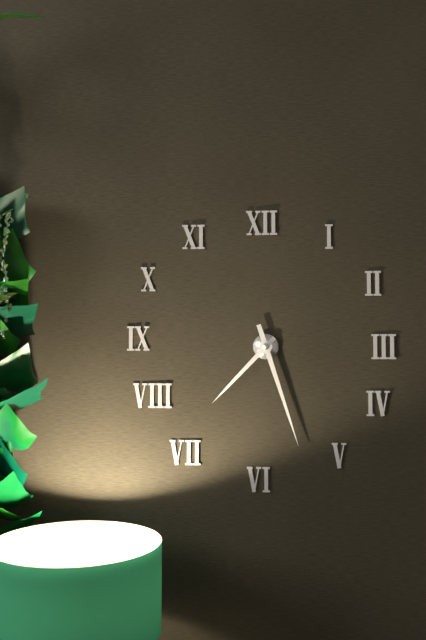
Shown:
**7:27**
